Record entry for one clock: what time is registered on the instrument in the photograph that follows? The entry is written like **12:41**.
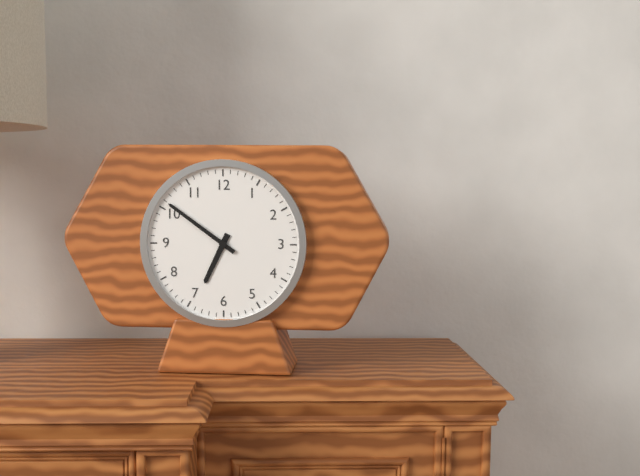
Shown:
**6:51**
